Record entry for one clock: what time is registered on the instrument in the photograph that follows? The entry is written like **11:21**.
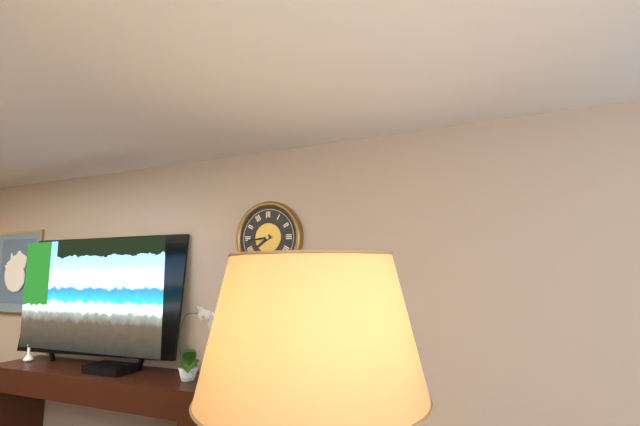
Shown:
**7:44**
